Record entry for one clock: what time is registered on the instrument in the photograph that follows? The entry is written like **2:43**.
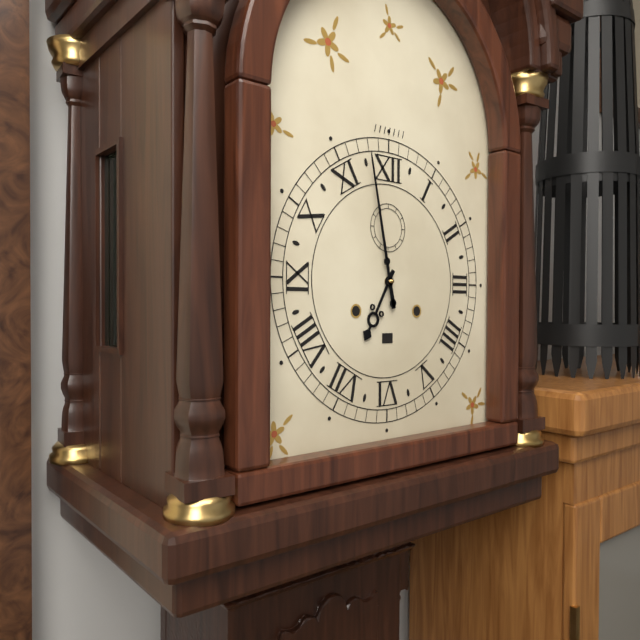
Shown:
**6:58**
